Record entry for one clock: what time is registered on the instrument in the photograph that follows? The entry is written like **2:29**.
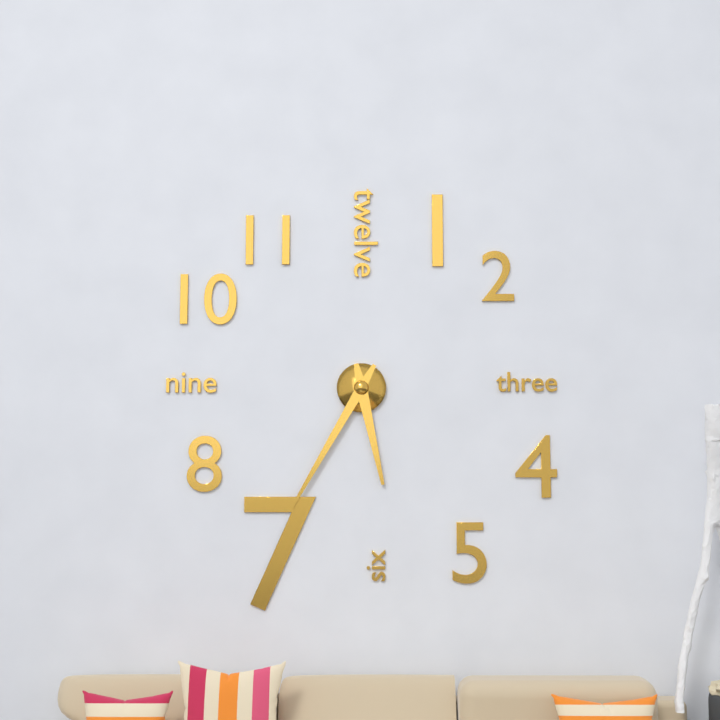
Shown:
**5:35**
